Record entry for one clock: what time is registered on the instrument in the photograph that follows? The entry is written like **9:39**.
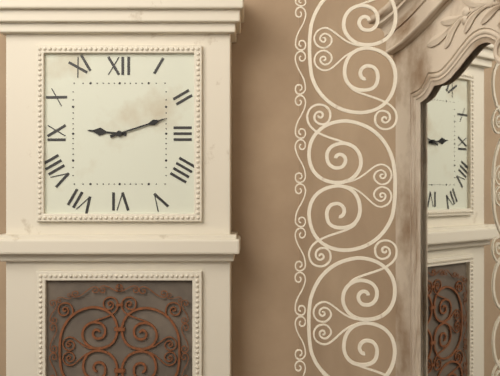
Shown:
**9:12**
